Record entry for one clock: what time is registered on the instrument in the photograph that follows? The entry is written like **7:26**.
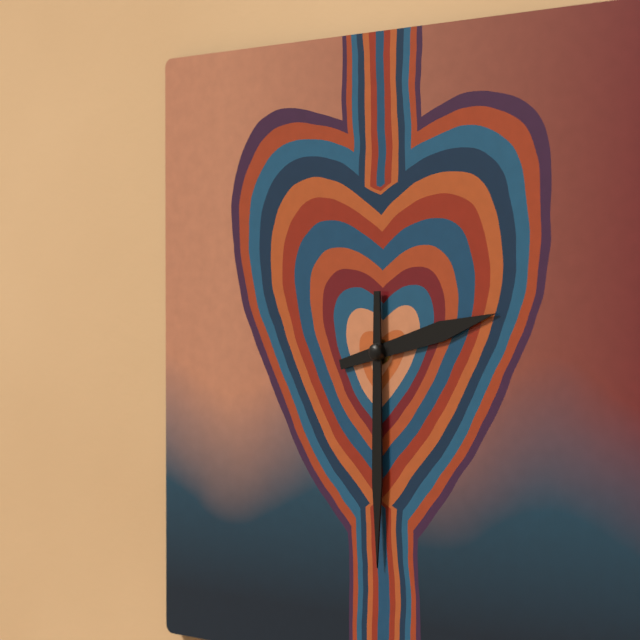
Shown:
**2:30**
